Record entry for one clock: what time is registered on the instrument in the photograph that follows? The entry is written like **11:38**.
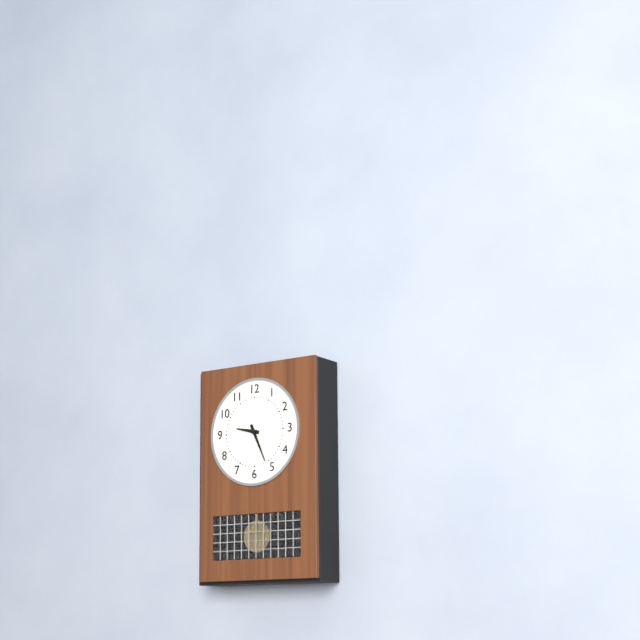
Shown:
**9:26**
